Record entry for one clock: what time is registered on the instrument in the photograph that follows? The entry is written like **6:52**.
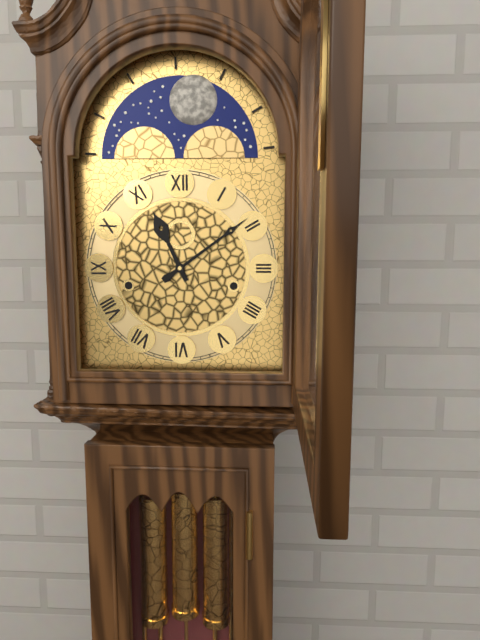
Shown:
**11:09**
